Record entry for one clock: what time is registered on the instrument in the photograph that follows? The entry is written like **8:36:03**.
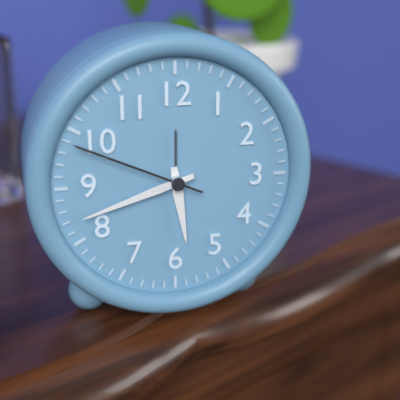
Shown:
**5:42:49**
